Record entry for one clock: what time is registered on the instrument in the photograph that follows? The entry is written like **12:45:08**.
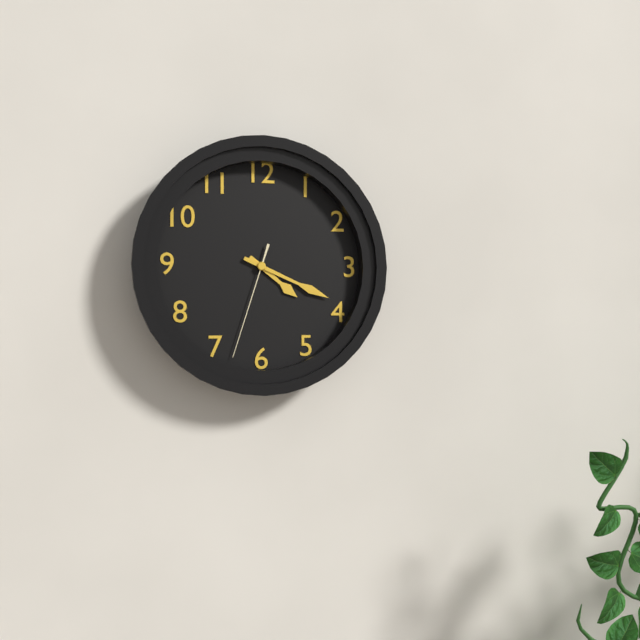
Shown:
**4:19:33**
